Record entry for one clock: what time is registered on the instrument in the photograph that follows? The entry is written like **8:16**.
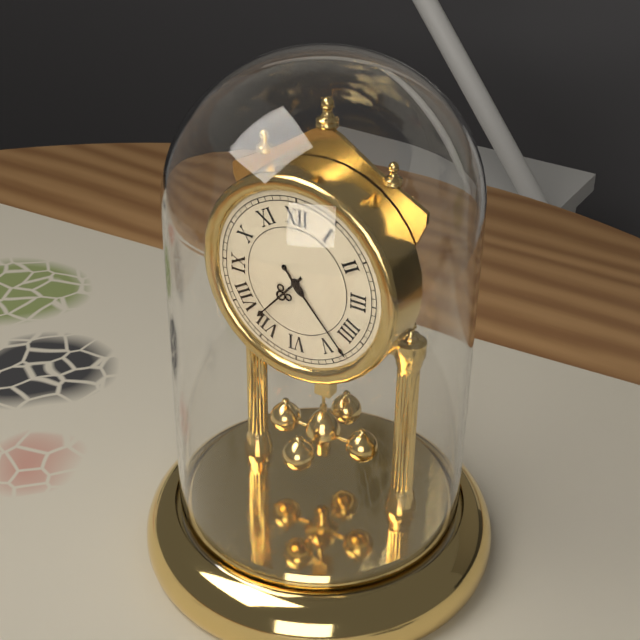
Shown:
**7:23**
